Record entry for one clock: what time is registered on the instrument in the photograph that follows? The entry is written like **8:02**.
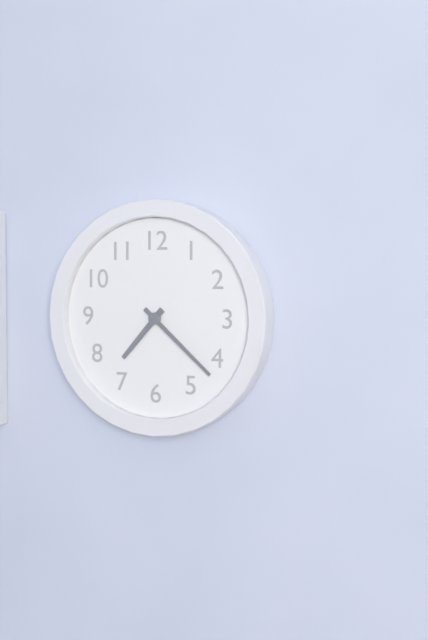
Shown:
**7:22**
